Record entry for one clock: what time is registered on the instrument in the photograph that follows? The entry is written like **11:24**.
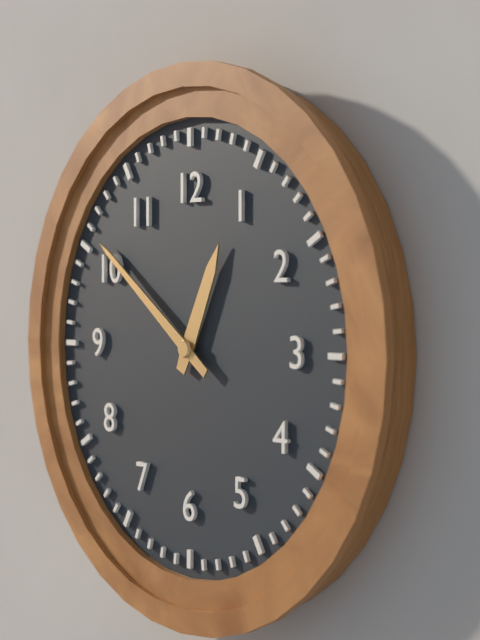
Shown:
**12:51**
